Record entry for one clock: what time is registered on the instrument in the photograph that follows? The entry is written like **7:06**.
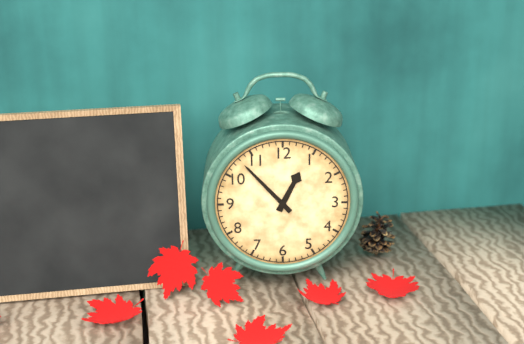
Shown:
**12:53**
